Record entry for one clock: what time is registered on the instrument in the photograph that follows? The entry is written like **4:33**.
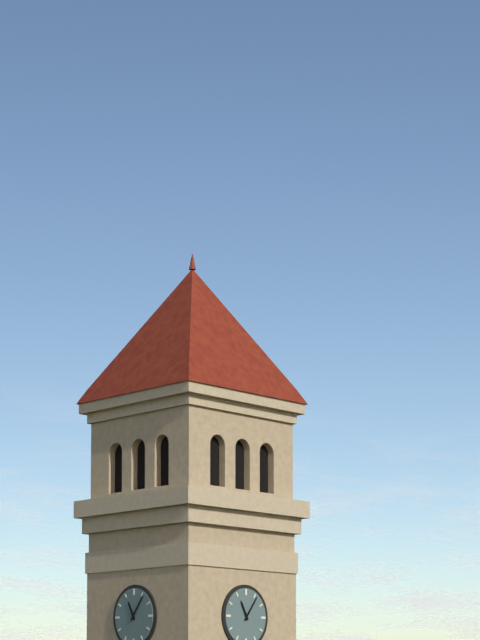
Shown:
**11:06**
